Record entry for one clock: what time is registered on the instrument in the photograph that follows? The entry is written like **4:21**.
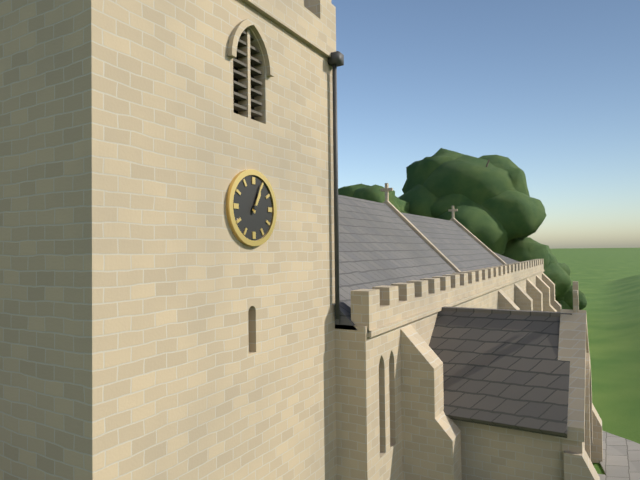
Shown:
**1:04**
